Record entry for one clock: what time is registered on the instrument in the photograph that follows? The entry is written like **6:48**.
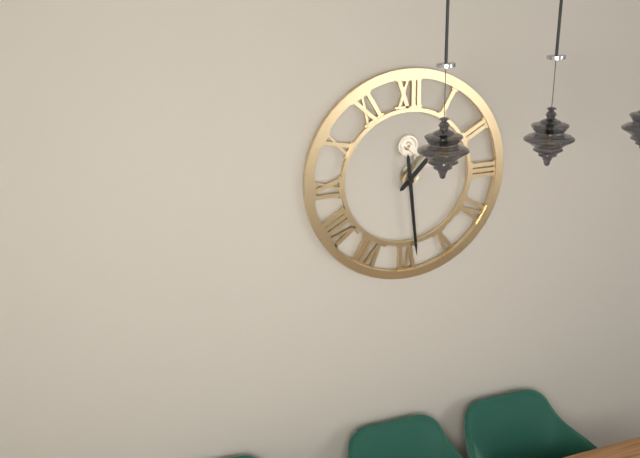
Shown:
**1:29**
